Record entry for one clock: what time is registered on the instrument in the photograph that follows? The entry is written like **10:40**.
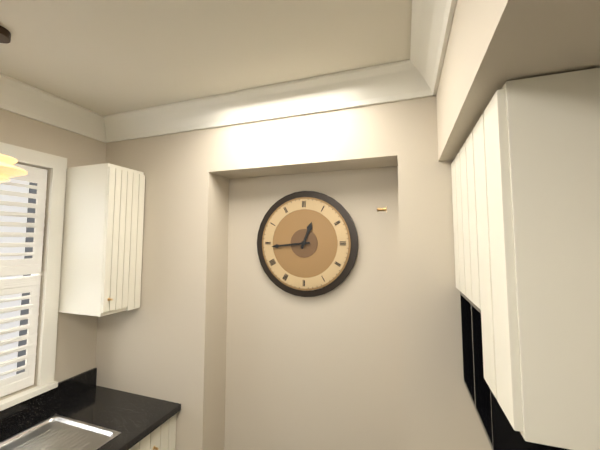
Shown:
**12:44**
